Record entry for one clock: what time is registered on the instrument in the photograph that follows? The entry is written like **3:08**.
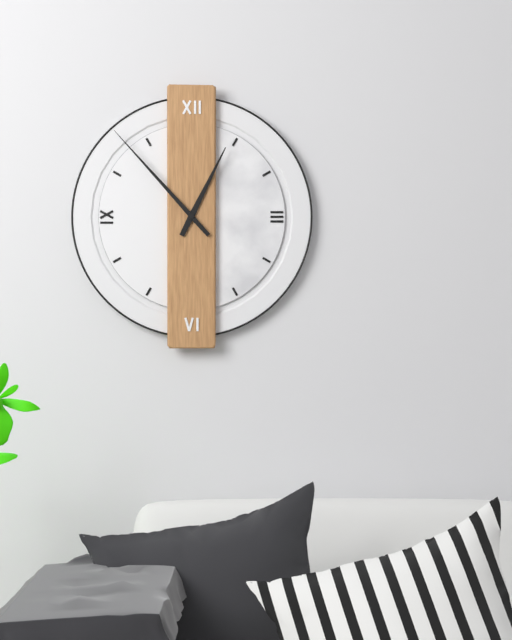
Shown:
**12:53**
